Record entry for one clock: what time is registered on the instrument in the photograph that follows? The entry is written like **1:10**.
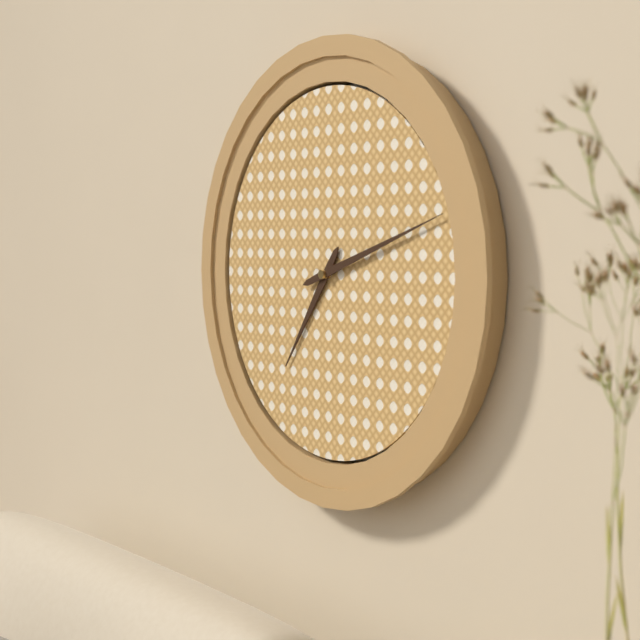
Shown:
**7:12**
